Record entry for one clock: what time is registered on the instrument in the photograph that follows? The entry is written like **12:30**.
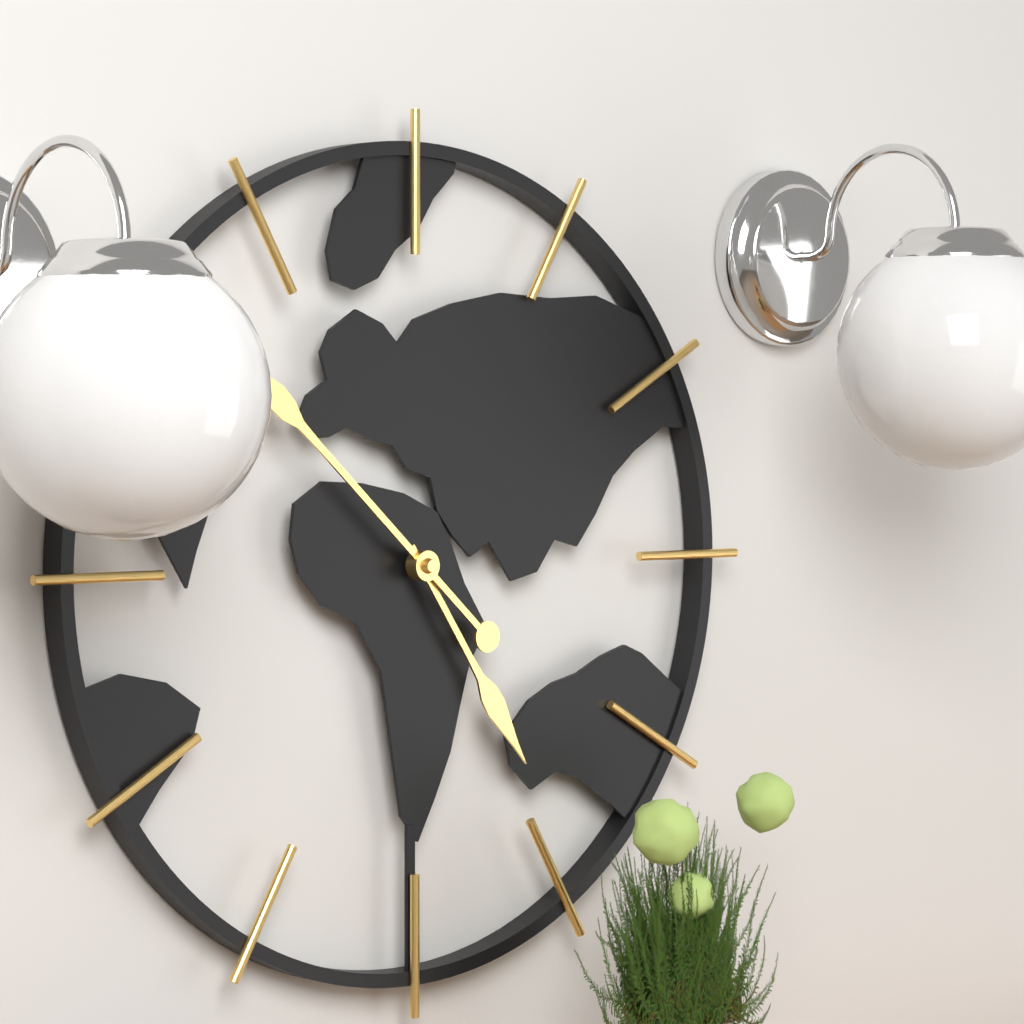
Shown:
**4:52**
